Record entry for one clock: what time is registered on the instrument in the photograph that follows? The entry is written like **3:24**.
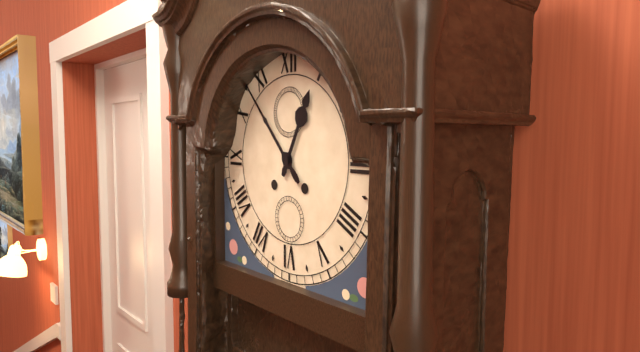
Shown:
**12:53**
